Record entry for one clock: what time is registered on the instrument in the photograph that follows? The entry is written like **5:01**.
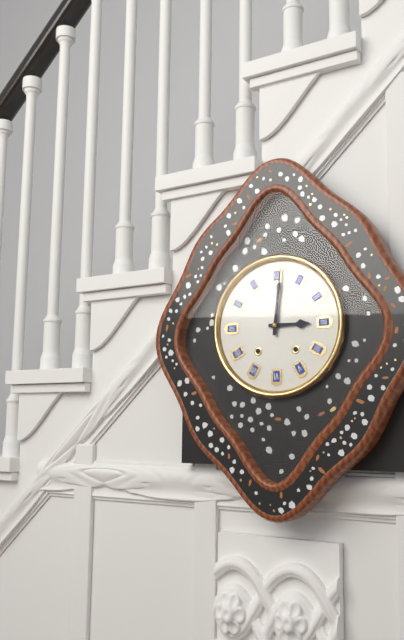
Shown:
**3:01**
